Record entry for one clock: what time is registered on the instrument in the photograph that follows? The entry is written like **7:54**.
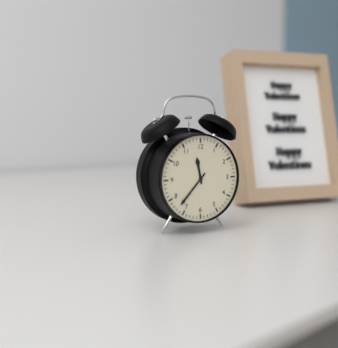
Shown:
**11:37**
